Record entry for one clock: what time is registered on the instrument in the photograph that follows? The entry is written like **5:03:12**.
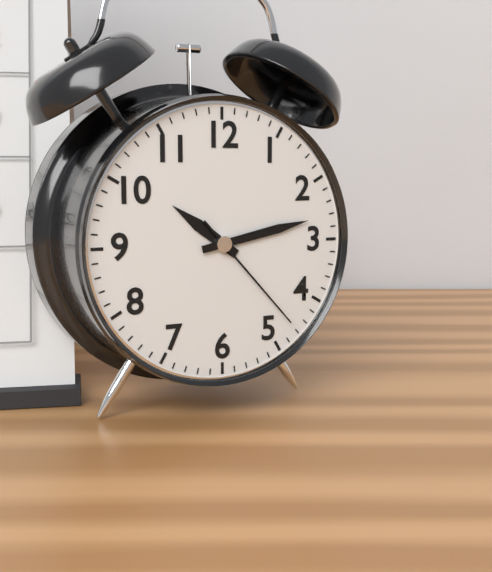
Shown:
**10:13:23**
